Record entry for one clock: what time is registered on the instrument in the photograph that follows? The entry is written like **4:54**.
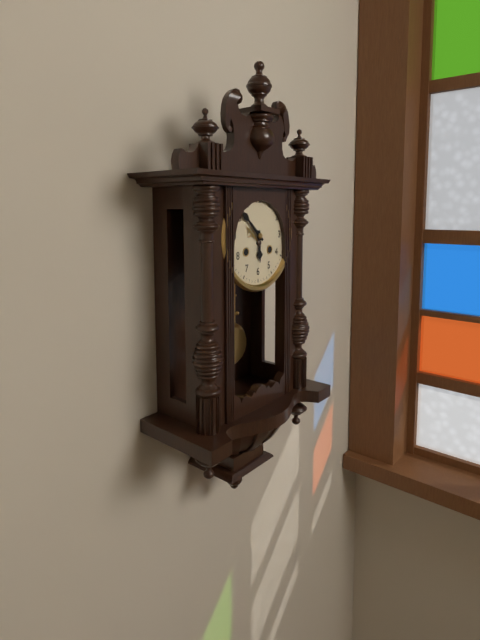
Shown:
**5:52**
